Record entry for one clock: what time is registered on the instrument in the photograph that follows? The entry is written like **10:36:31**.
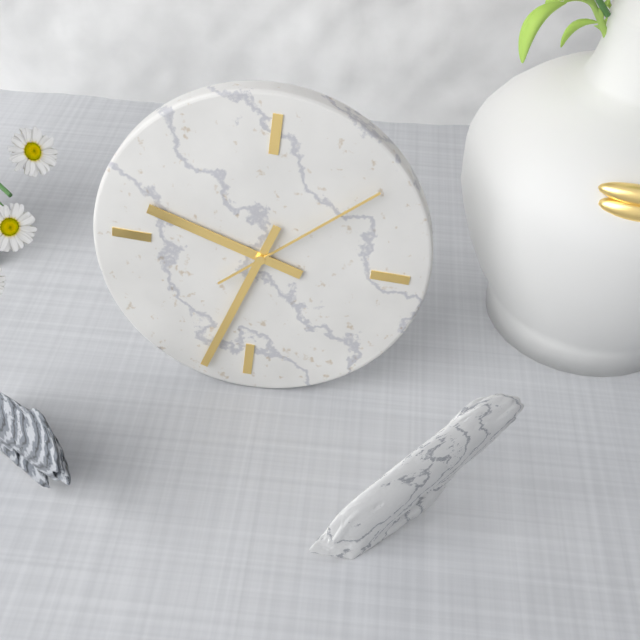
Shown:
**9:33:08**
